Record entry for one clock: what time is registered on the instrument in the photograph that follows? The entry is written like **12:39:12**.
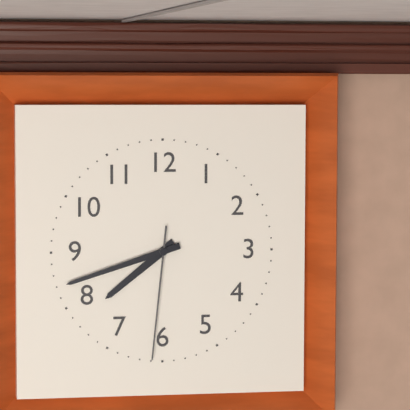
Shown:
**7:42:31**
